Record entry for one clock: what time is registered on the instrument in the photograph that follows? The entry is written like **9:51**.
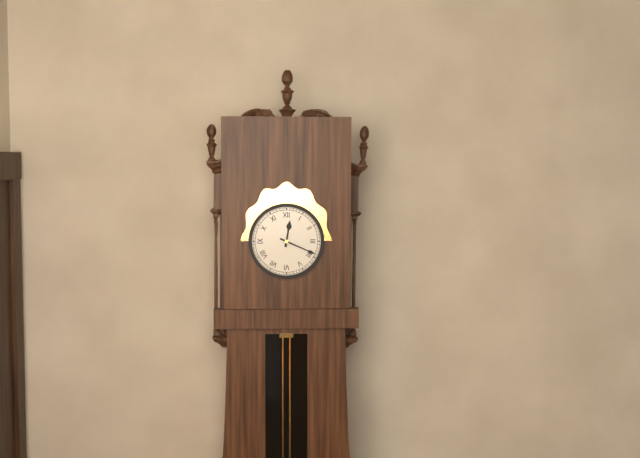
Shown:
**12:19**
